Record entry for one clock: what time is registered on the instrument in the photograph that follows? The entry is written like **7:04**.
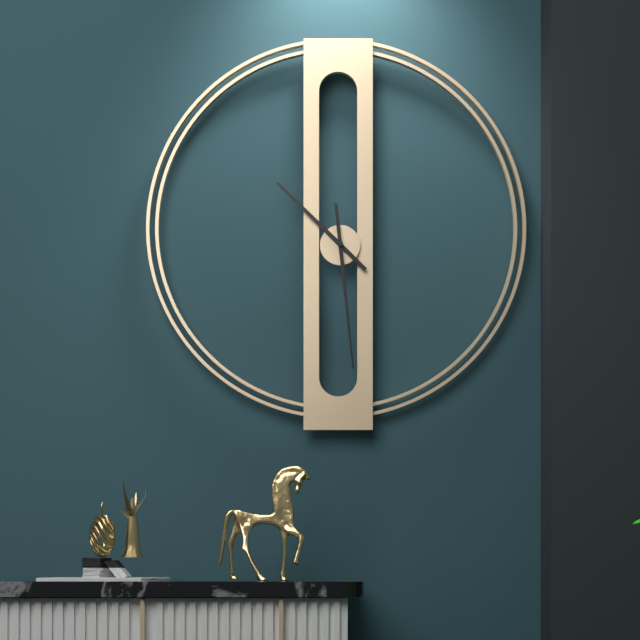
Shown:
**10:29**
